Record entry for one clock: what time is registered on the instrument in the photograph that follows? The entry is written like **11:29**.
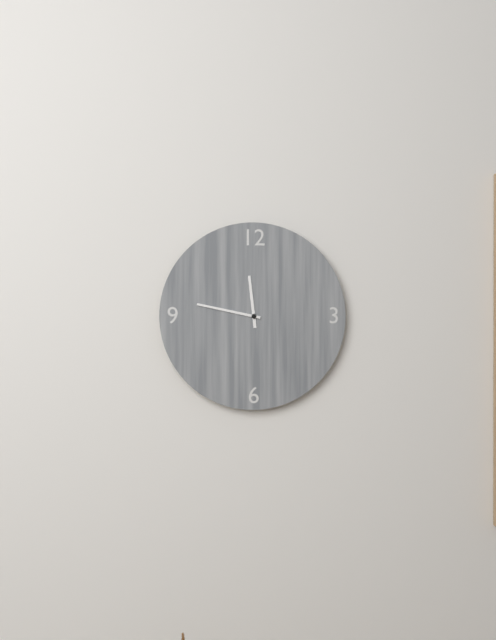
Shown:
**11:47**
